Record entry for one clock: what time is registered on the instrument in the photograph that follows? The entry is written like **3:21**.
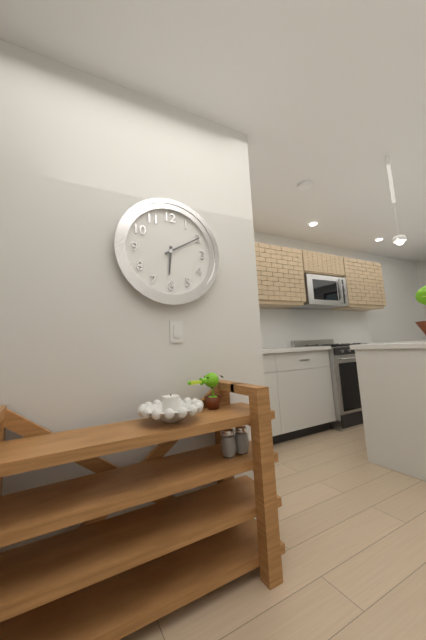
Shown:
**6:10**
